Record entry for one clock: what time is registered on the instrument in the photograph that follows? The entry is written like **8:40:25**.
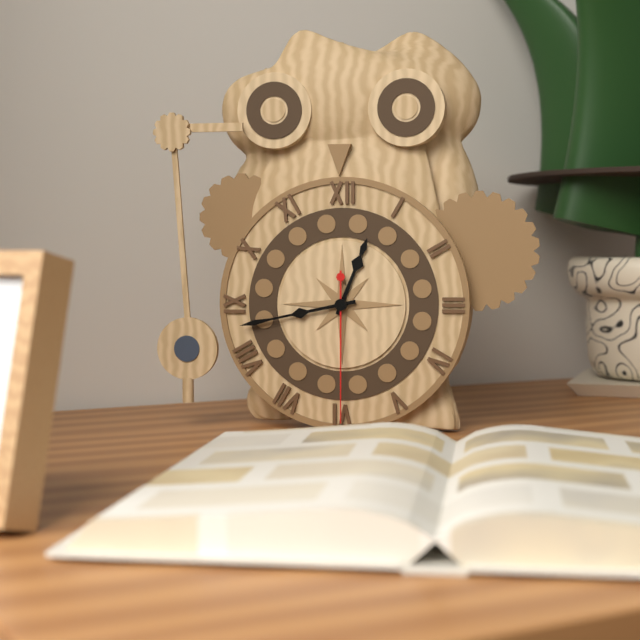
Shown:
**12:43:30**
